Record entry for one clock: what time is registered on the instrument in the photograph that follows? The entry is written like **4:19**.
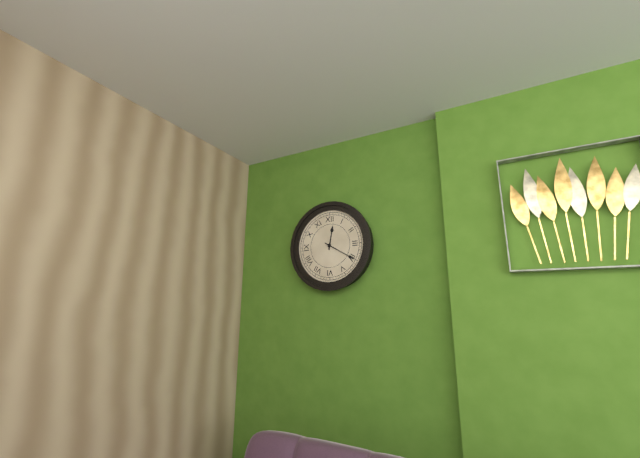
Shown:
**12:20**
